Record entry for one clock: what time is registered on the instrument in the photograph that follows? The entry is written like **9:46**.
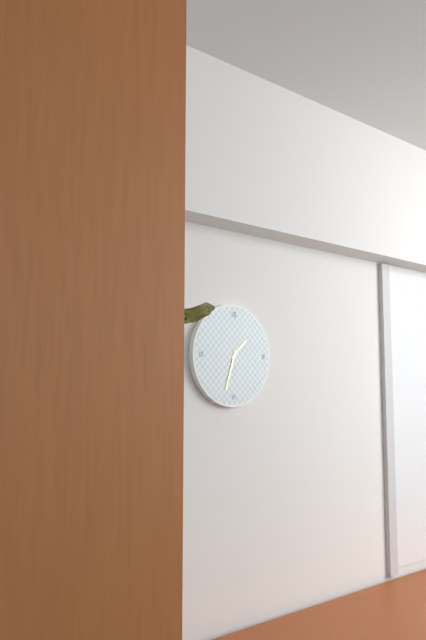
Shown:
**1:33**
